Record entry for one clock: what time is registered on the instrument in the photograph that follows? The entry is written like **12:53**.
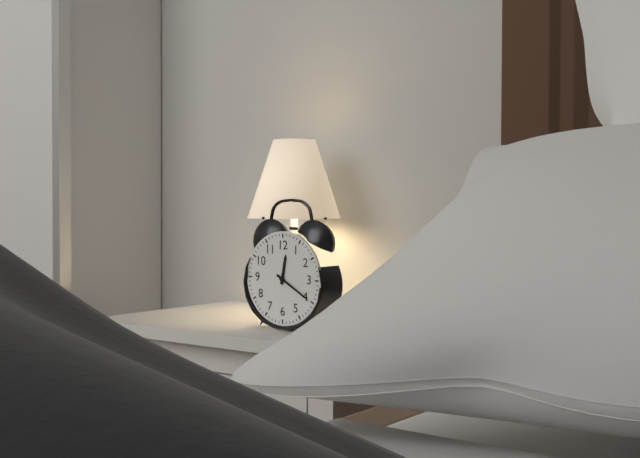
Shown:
**12:20**
